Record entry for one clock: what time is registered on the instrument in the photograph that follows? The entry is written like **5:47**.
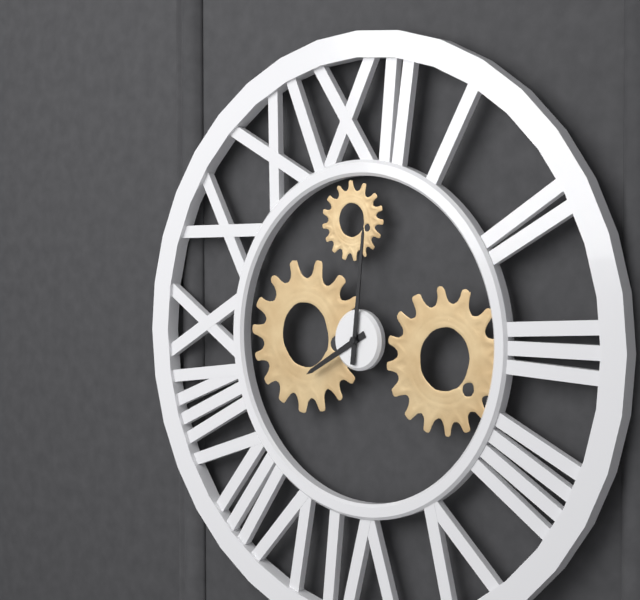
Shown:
**8:01**
